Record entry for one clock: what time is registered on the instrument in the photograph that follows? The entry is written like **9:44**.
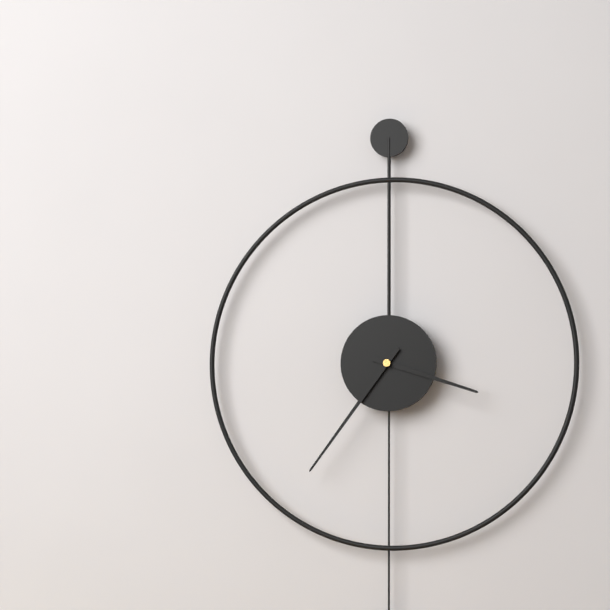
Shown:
**3:36**
